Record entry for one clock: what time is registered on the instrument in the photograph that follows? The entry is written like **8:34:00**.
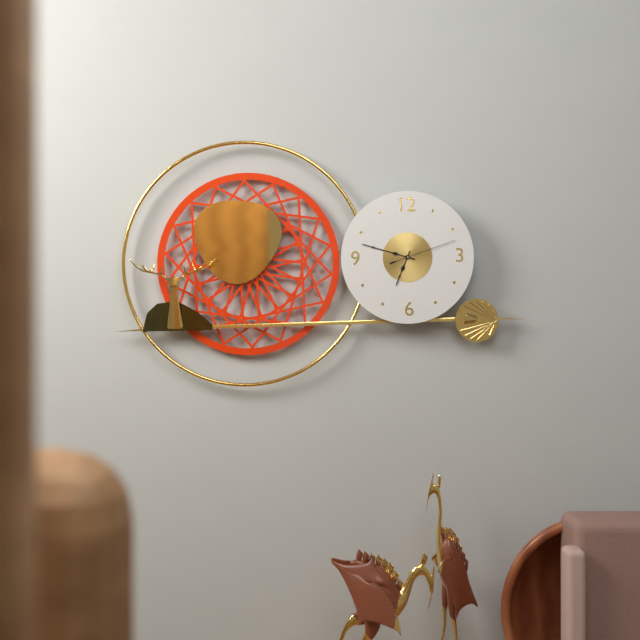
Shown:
**6:48:12**
